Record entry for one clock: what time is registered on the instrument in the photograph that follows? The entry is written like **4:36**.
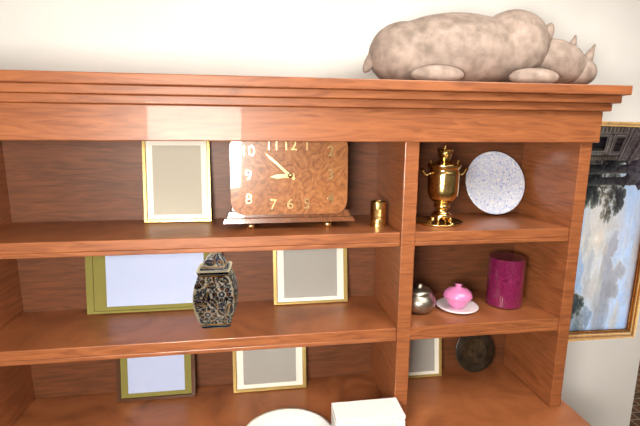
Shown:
**8:52**
